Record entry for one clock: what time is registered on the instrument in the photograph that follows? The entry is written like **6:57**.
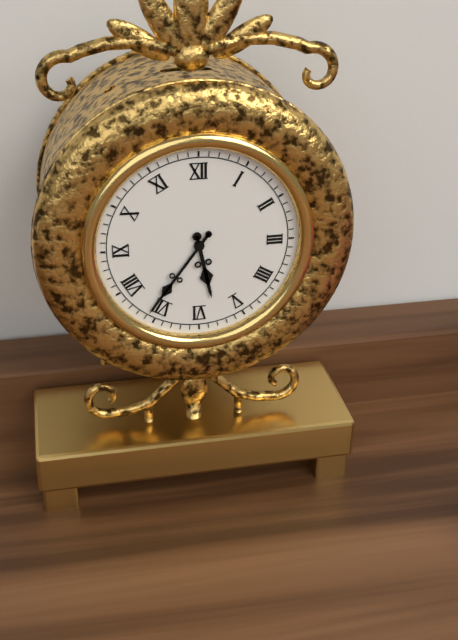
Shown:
**5:36**
